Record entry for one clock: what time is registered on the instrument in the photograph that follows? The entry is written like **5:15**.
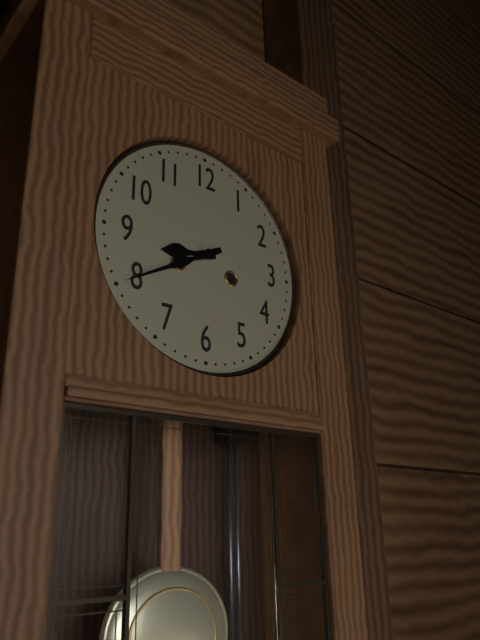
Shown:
**8:40**
